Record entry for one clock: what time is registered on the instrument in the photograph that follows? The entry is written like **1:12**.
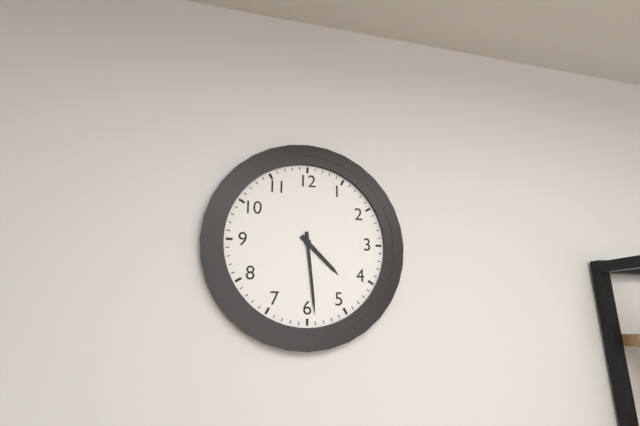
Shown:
**4:29**
